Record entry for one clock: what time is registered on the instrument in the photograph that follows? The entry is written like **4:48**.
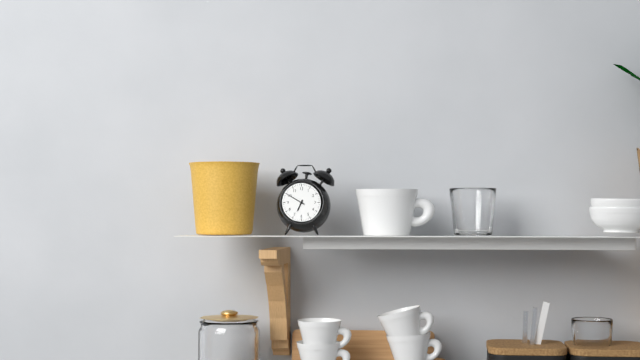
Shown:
**6:50**
